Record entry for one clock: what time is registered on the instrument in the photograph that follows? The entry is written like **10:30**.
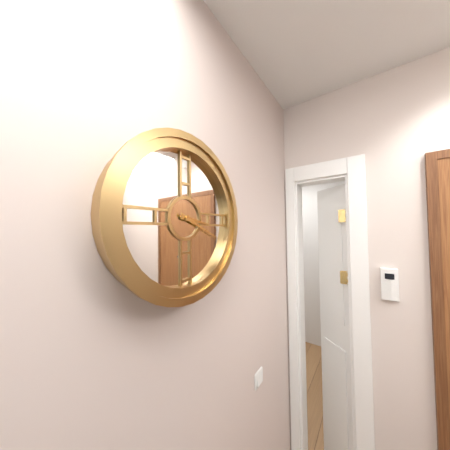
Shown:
**3:19**
